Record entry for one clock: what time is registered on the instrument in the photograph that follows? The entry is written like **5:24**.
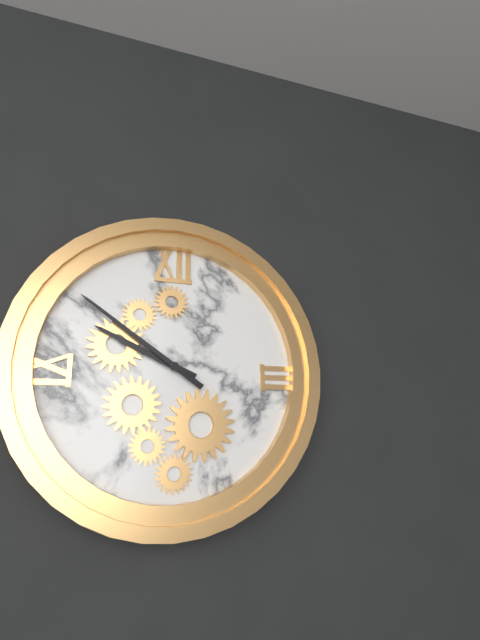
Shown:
**9:51**
